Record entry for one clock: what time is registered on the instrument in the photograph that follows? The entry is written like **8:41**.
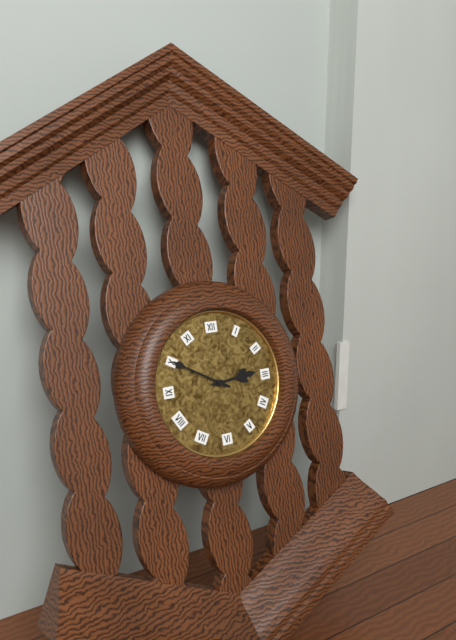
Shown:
**2:50**
